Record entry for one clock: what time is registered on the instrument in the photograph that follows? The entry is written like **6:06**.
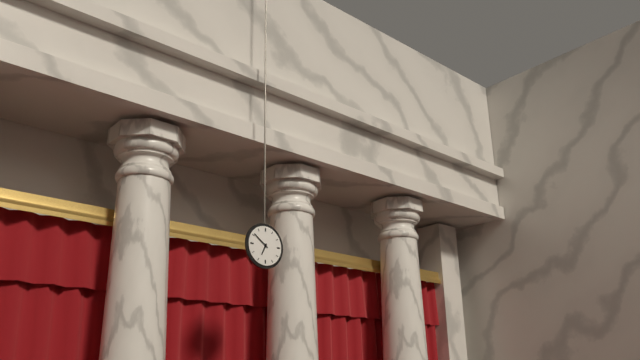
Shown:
**6:51**
